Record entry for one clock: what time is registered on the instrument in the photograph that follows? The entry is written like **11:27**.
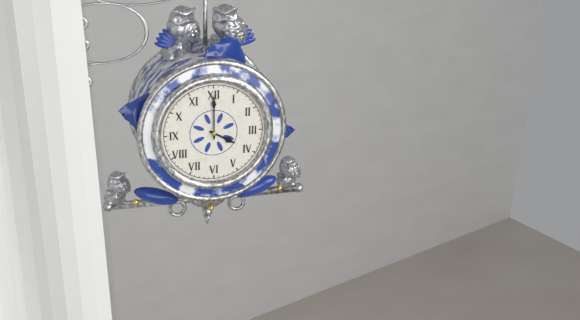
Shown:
**4:00**
